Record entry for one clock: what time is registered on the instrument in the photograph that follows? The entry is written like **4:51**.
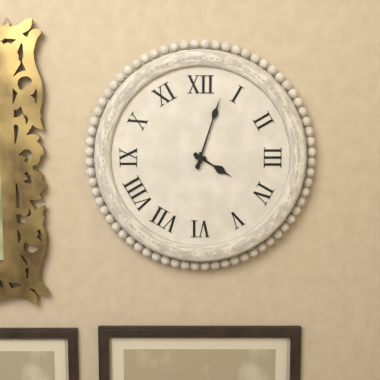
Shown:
**4:03**
